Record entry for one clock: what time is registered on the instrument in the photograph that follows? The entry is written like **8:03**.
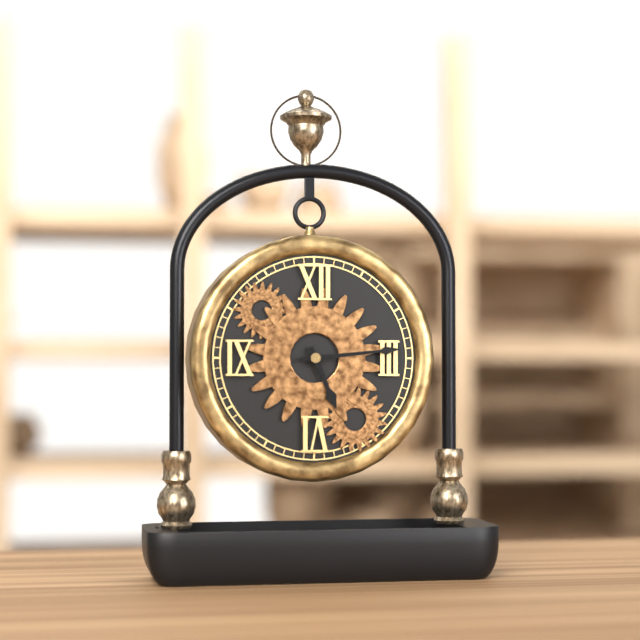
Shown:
**5:14**
